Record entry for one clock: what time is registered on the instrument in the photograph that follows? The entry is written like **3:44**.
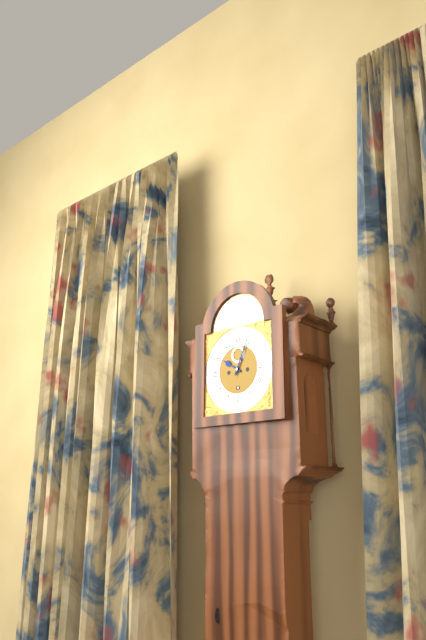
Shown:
**10:04**
